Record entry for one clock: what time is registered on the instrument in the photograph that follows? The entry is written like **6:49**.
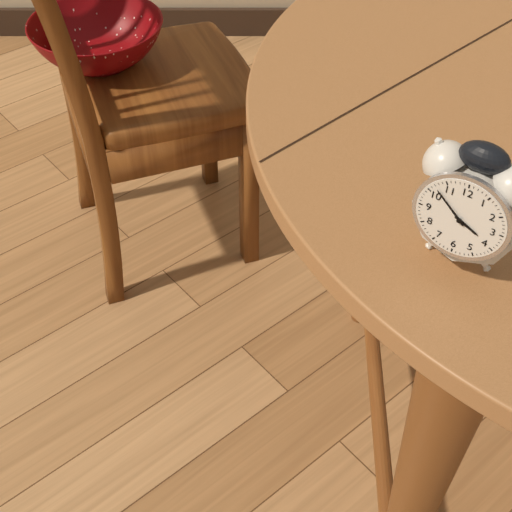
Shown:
**3:52**
